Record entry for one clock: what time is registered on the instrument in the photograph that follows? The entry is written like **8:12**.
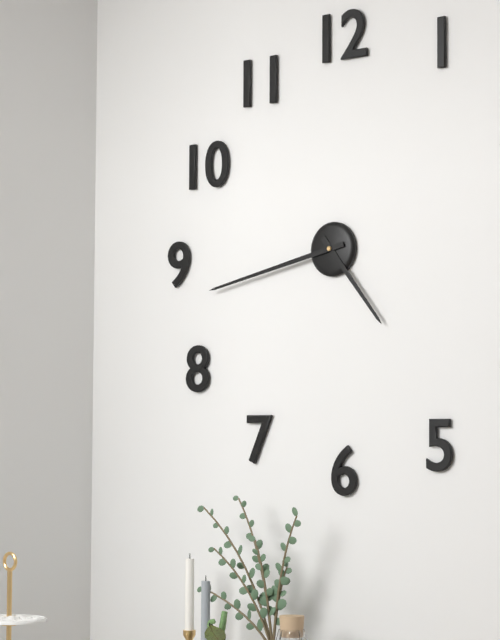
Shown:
**4:43**
